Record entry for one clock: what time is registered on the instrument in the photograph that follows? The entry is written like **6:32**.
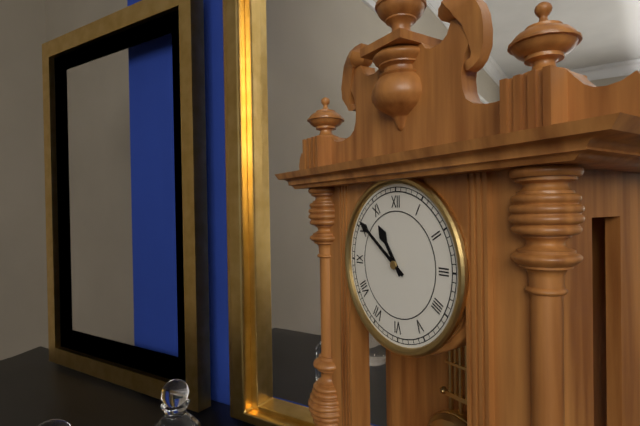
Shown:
**10:51**
